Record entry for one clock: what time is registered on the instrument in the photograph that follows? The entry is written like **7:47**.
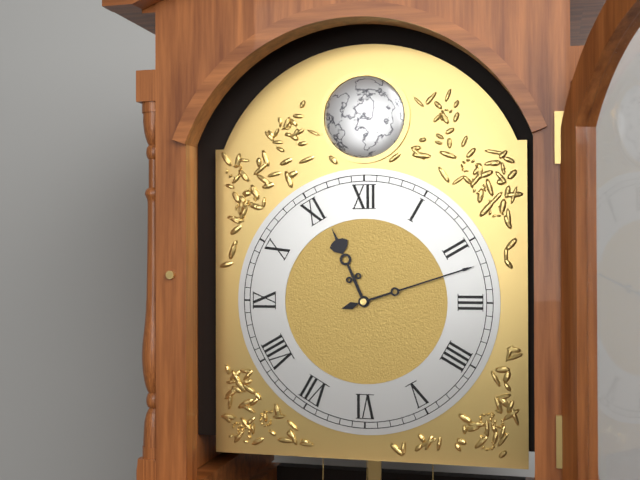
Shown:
**11:12**
